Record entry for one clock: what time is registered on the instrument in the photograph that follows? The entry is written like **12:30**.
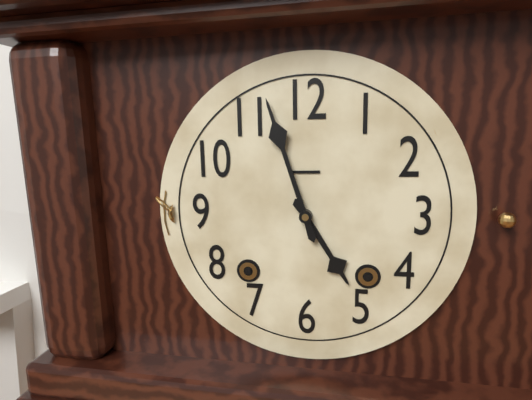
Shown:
**4:57**
